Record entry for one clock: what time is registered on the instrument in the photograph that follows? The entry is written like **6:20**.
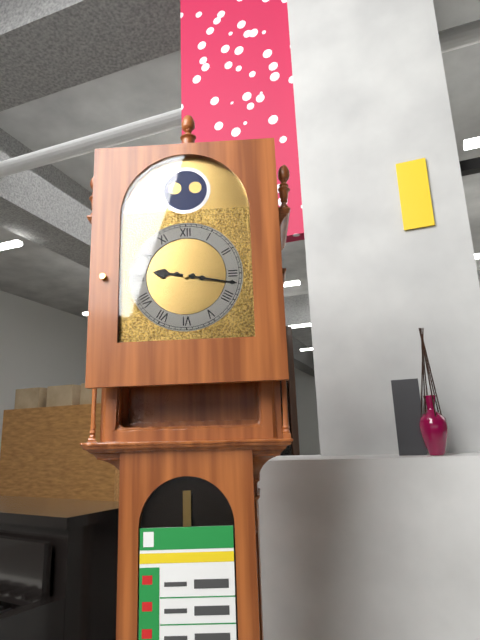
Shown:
**9:17**
